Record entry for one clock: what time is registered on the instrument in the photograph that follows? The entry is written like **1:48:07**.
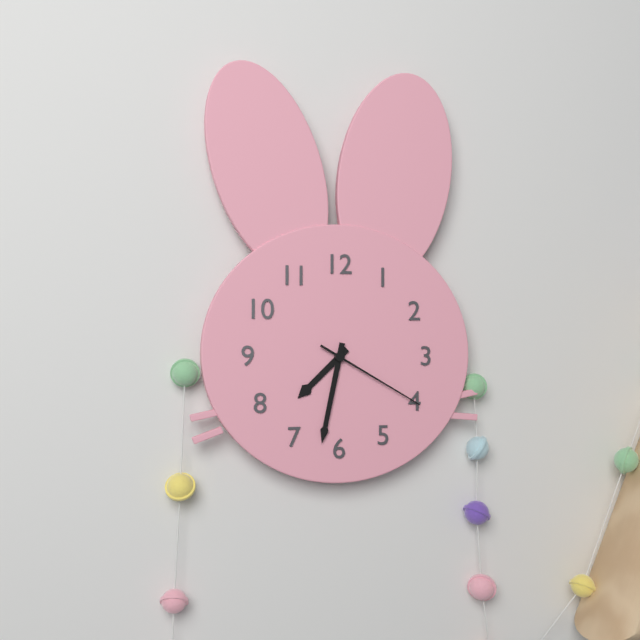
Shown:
**7:32:20**
